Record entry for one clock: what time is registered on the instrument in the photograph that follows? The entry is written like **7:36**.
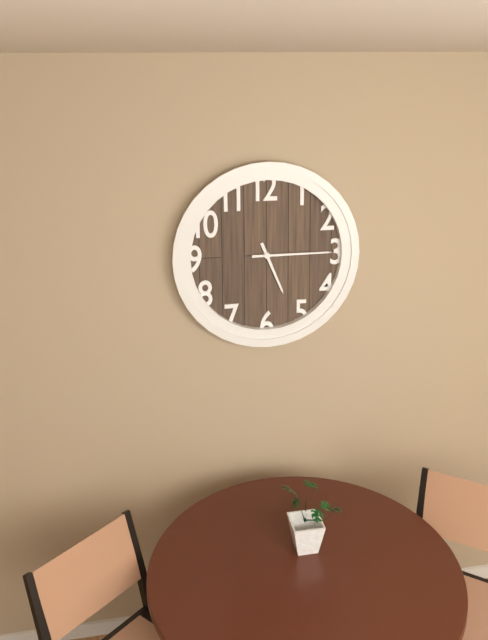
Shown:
**5:15**
